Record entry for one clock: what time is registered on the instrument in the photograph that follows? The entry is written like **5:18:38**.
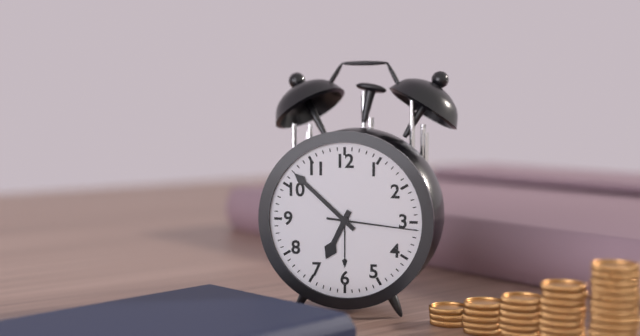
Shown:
**6:52:16**
